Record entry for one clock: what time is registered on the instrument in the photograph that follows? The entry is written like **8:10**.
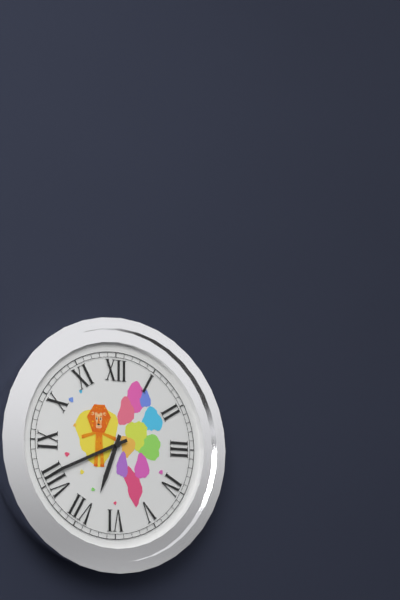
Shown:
**6:41**
